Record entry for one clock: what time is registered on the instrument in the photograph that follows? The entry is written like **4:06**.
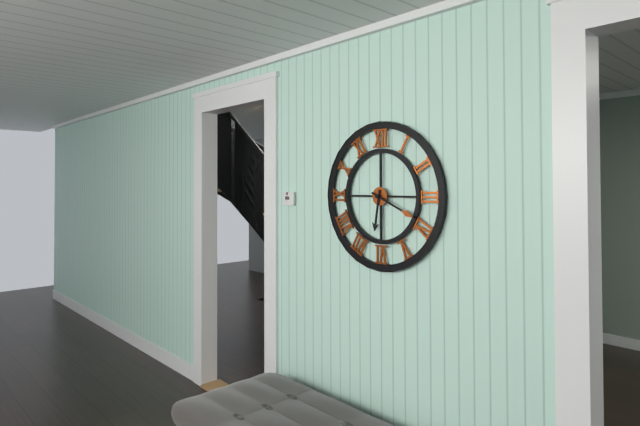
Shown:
**6:19**
